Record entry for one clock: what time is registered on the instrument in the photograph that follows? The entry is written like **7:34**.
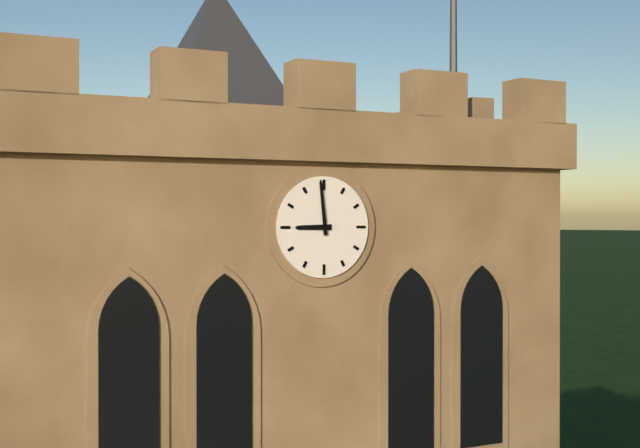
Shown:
**8:59**
